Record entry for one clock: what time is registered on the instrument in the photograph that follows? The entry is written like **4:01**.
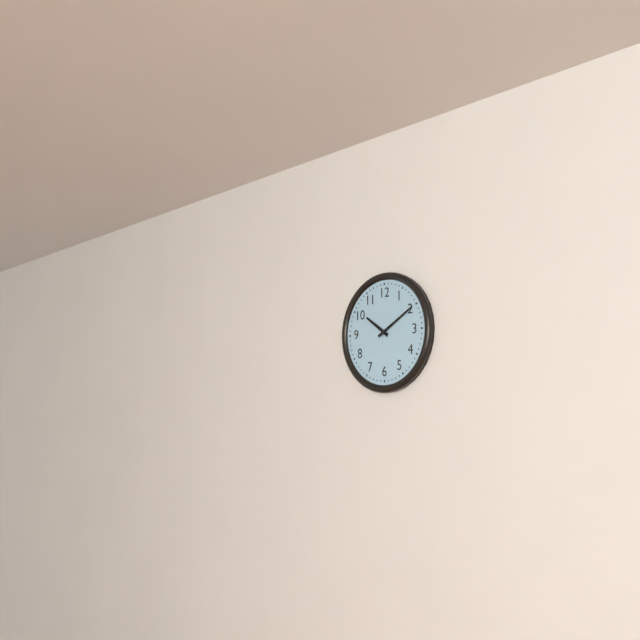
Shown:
**10:10**
